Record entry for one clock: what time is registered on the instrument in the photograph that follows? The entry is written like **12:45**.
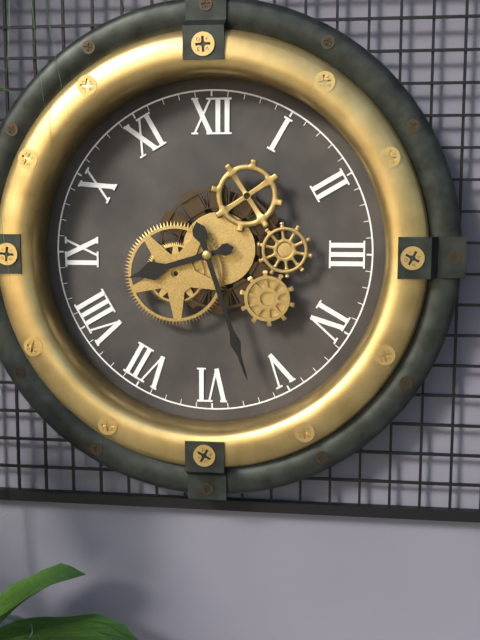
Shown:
**8:27**
